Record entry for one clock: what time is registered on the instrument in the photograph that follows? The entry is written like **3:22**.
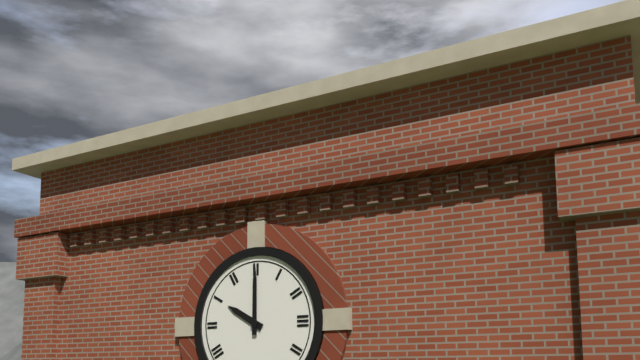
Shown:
**10:00**
